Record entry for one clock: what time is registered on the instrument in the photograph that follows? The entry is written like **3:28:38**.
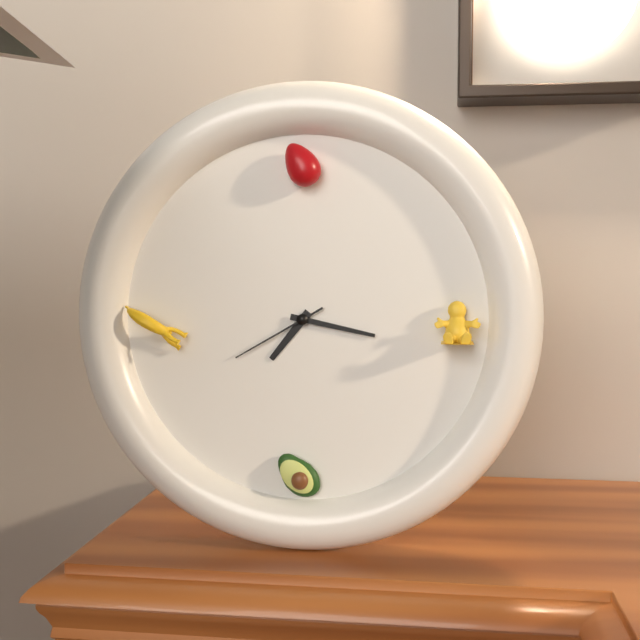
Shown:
**7:17:40**
